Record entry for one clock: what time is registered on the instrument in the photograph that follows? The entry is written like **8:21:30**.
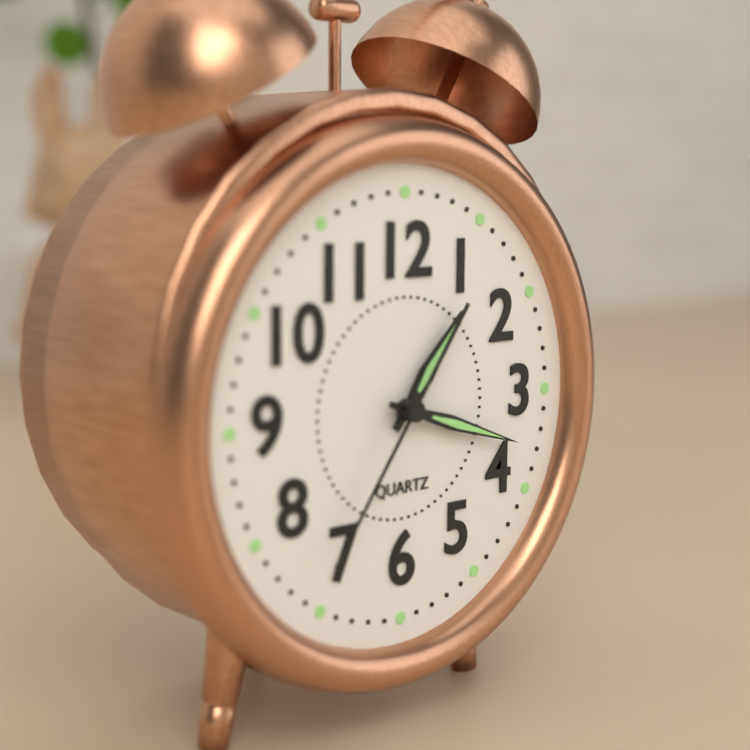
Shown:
**1:18:36**
